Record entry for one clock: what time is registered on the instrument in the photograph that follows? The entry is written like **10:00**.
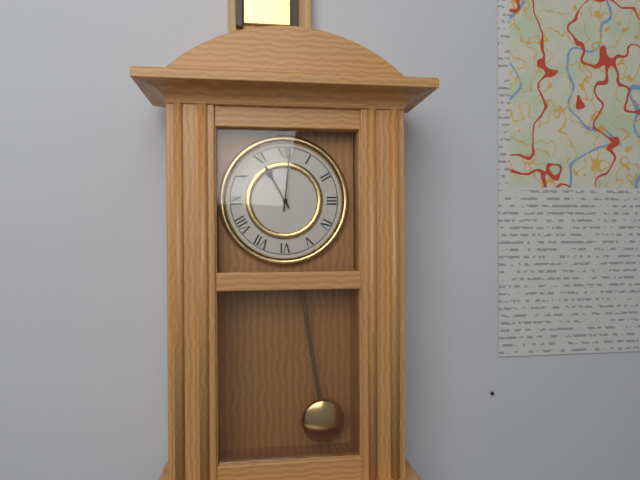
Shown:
**11:01**
